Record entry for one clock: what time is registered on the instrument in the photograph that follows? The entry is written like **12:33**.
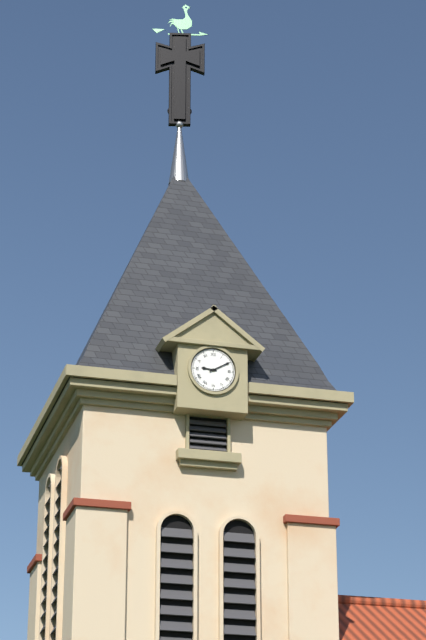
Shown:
**9:10**
